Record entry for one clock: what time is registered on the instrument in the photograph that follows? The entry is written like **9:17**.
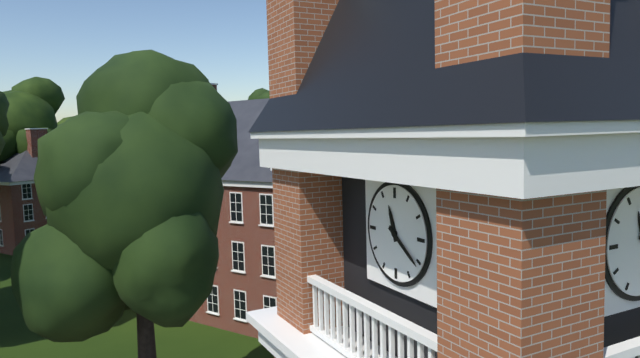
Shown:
**11:21**
